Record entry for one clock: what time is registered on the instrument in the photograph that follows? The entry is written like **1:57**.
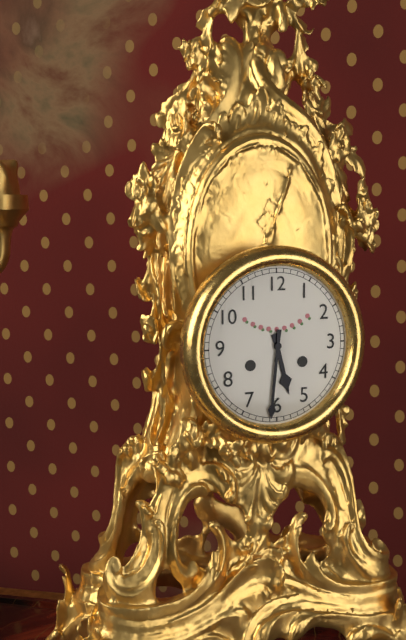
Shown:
**5:31**
